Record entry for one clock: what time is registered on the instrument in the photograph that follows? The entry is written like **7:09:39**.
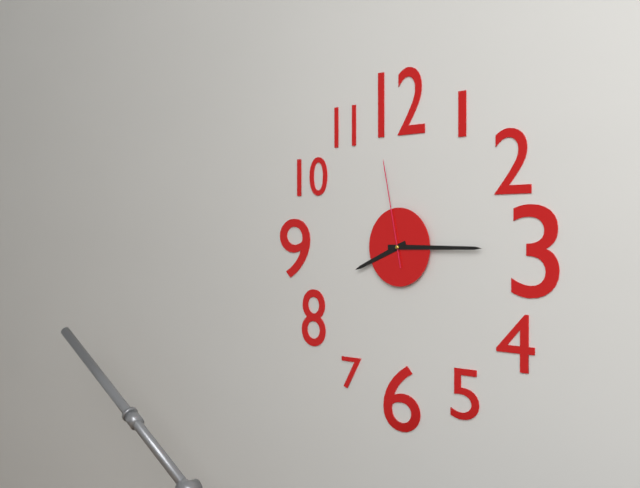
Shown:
**8:15:58**
